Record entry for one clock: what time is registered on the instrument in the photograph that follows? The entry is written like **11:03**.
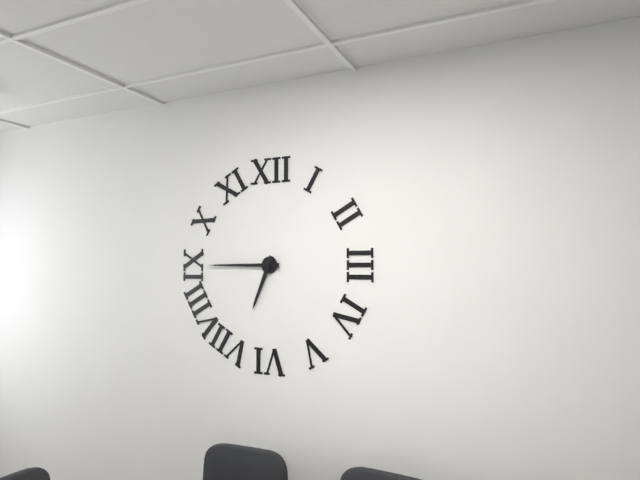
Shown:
**6:45**
